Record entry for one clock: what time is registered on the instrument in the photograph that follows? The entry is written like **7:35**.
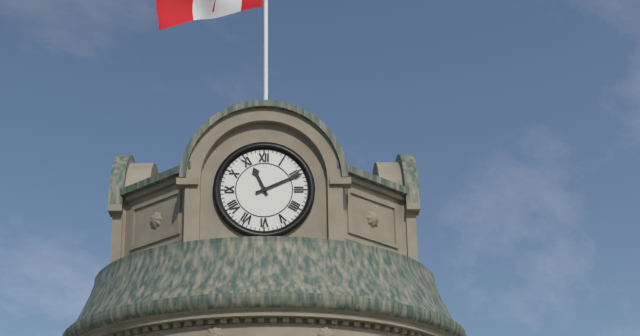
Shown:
**11:11**
